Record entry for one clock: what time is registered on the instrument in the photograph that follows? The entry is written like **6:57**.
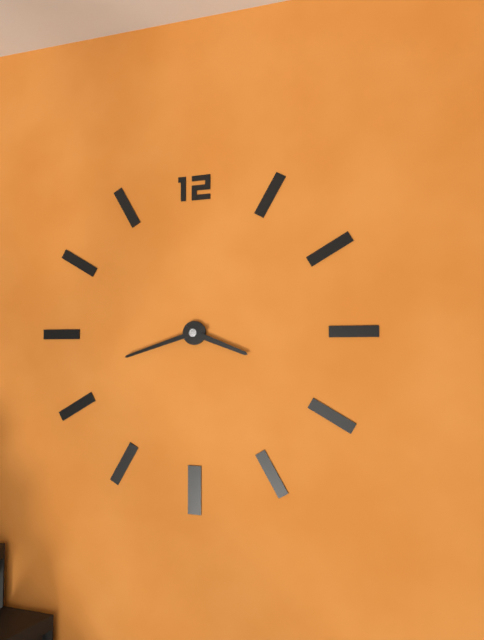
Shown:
**3:42**
